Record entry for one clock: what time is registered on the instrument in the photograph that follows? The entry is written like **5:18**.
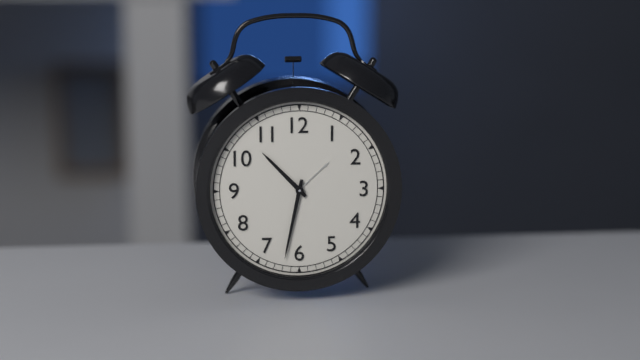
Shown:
**10:32**
